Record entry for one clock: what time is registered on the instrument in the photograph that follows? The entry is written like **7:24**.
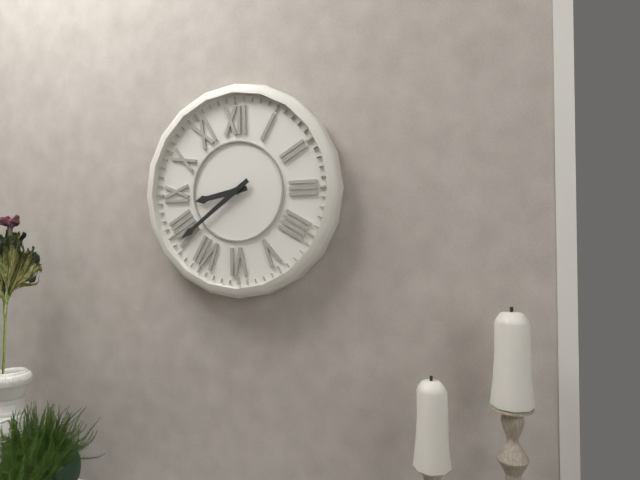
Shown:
**8:39**
